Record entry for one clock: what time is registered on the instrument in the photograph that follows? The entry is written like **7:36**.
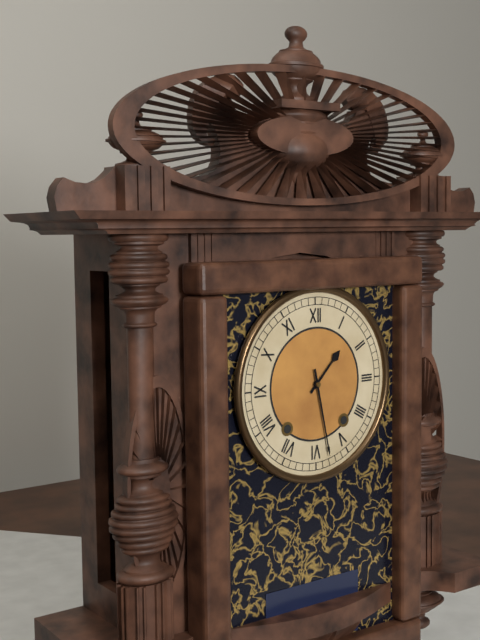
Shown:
**1:28**
